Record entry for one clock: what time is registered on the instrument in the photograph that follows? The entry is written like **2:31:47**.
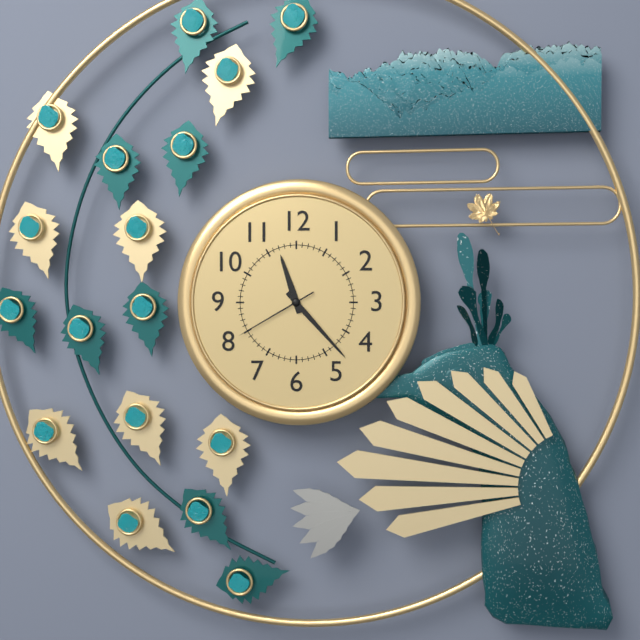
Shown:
**11:23:40**
